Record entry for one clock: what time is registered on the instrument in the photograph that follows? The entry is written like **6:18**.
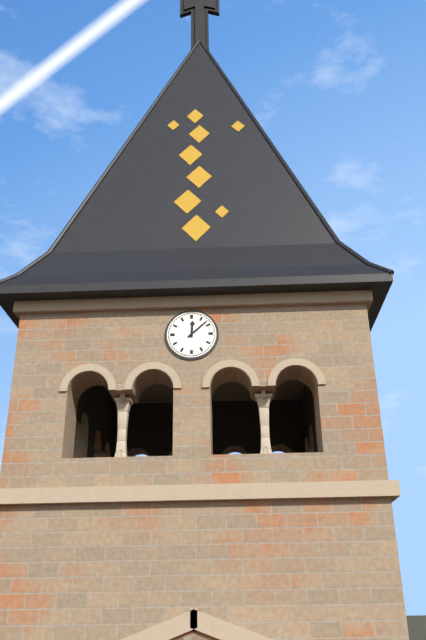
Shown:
**12:08**
